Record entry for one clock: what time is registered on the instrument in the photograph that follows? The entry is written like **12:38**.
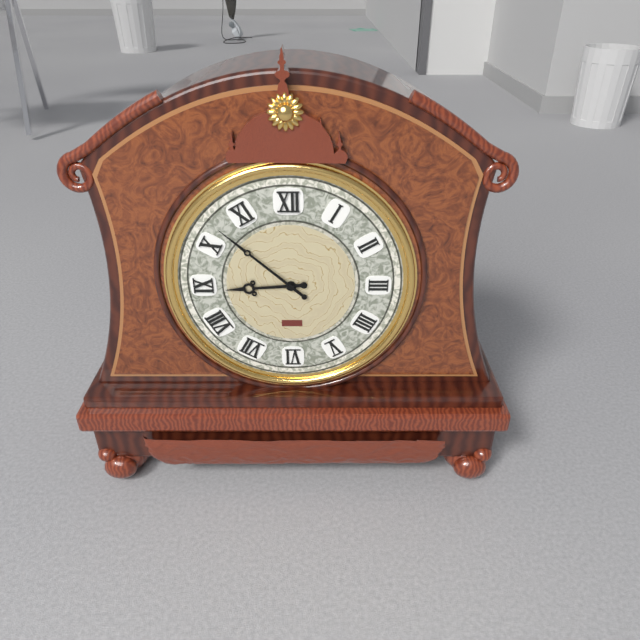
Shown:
**8:52**
